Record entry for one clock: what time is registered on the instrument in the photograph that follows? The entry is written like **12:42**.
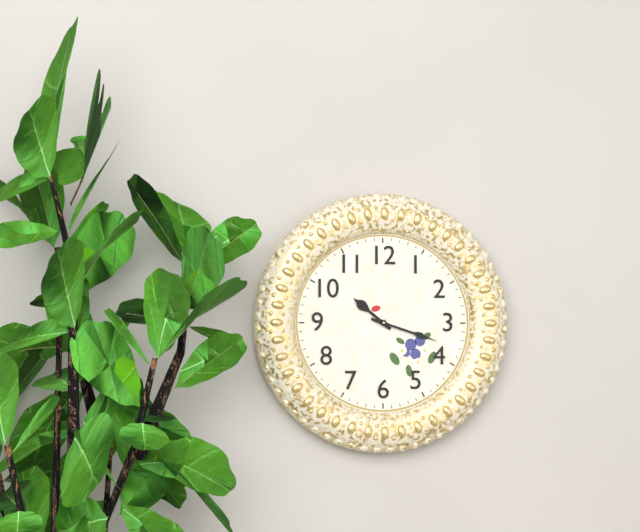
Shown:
**10:18**
